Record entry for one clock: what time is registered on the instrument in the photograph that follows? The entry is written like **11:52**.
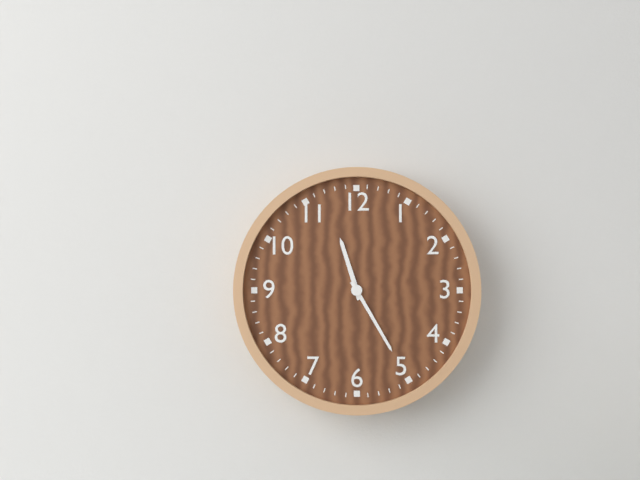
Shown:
**11:25**
